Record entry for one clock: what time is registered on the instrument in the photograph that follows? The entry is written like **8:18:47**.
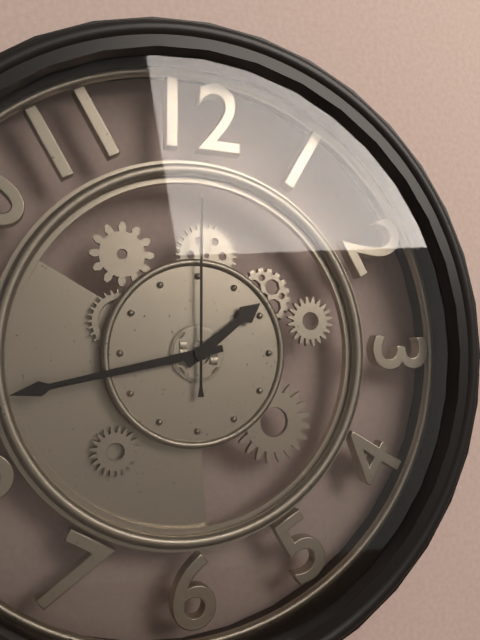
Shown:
**1:43:00**
